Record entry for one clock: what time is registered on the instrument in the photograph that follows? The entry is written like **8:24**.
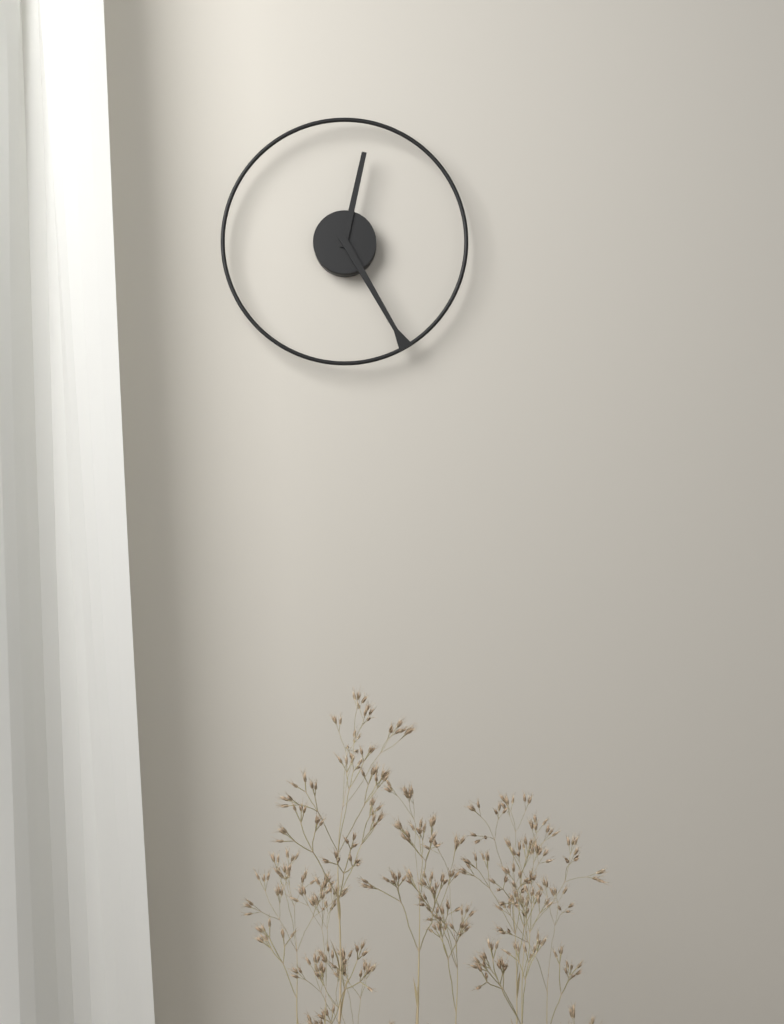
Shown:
**12:25**
